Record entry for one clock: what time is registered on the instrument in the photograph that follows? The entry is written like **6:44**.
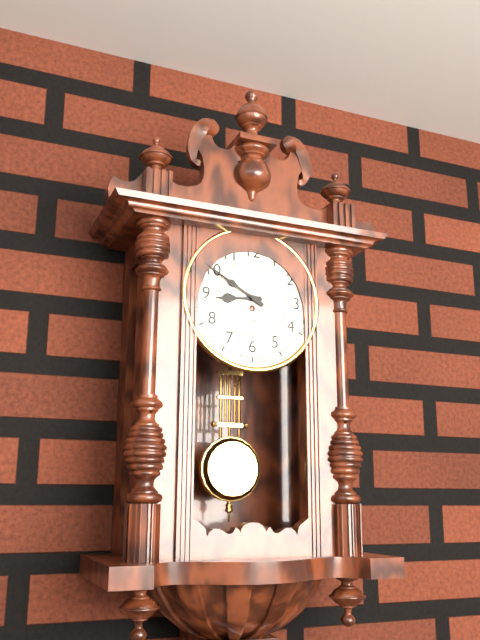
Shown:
**8:50**
